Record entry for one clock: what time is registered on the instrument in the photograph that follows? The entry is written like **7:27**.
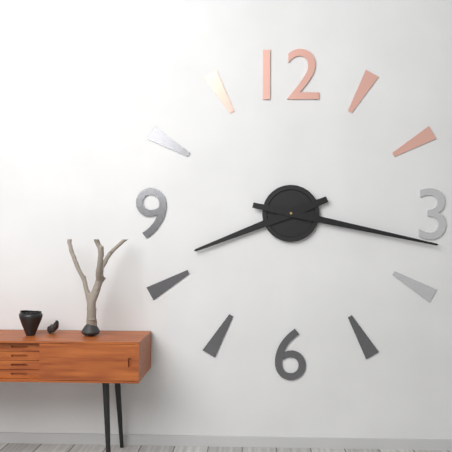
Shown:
**8:17**
